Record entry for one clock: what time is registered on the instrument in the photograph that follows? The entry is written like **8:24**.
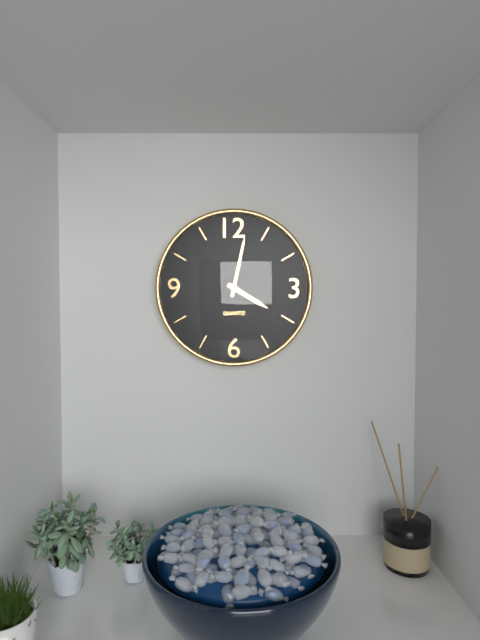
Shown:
**4:02**
